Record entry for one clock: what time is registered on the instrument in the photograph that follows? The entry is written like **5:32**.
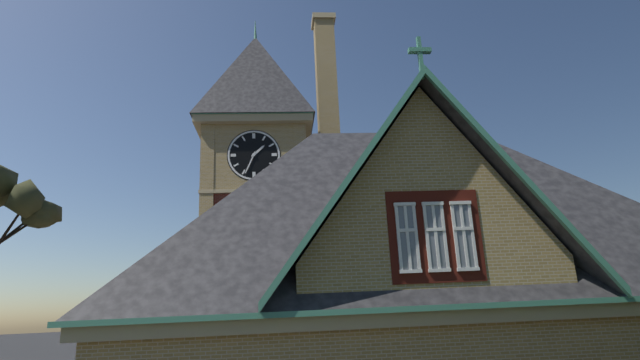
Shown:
**1:34**
